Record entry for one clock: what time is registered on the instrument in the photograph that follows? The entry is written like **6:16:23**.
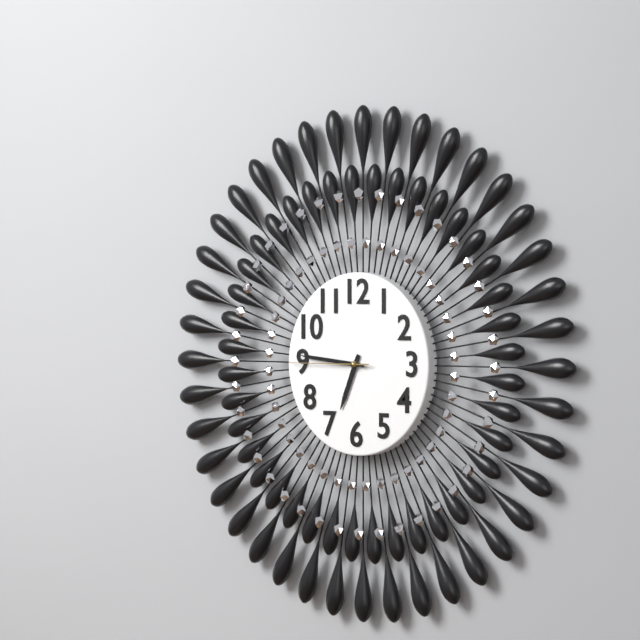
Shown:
**6:46:45**
